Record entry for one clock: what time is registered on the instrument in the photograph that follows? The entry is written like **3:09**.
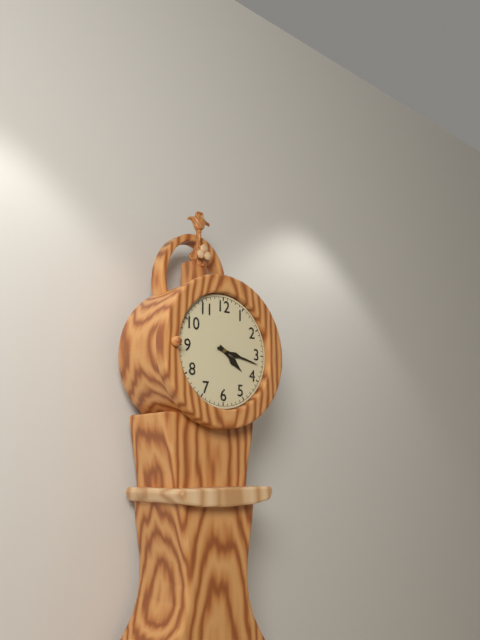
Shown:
**4:17**
